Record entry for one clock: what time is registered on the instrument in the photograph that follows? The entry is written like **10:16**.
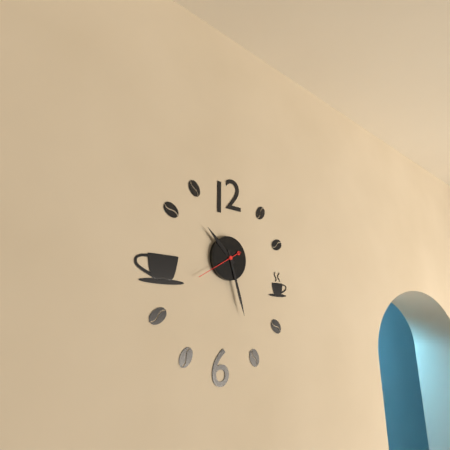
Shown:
**10:27**
